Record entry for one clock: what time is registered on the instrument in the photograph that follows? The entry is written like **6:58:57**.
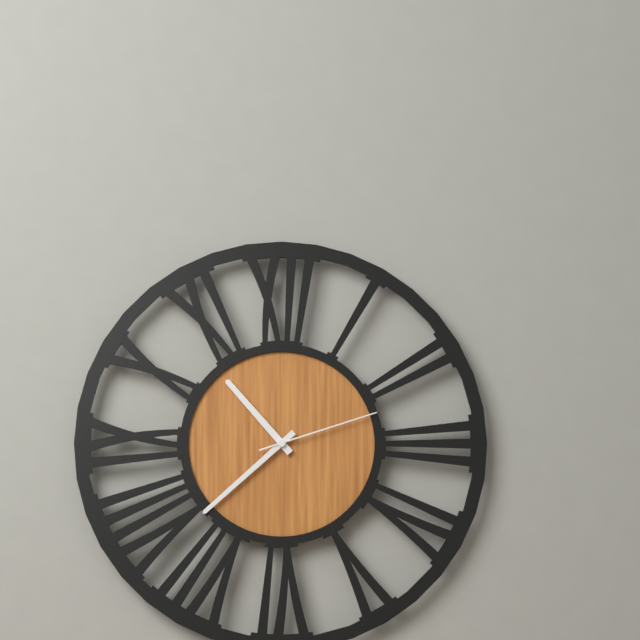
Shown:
**10:38:12**
